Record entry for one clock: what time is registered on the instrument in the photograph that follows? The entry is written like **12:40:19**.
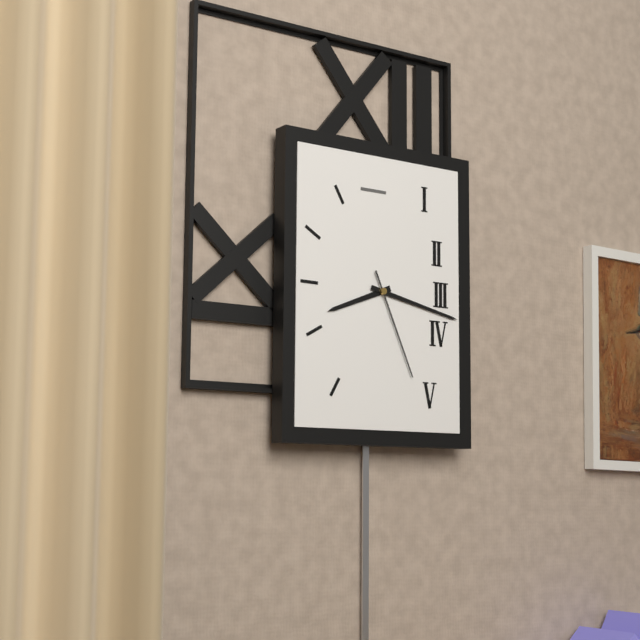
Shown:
**8:17:26**
